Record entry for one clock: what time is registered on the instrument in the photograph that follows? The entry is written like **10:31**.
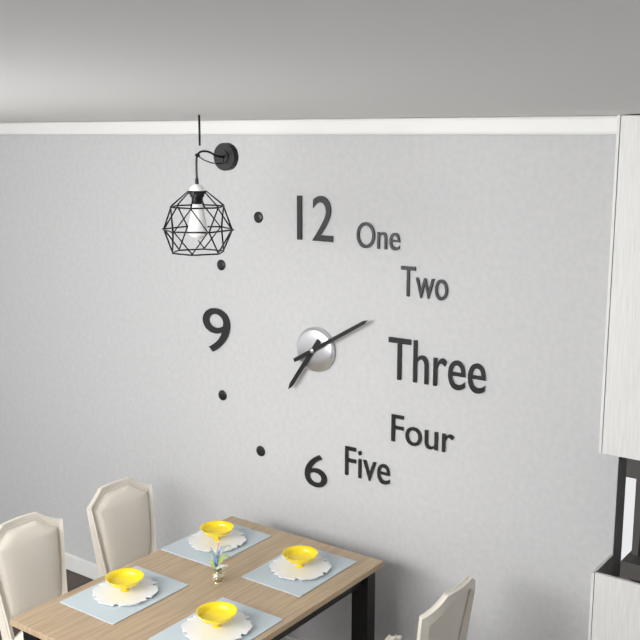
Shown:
**7:10**
